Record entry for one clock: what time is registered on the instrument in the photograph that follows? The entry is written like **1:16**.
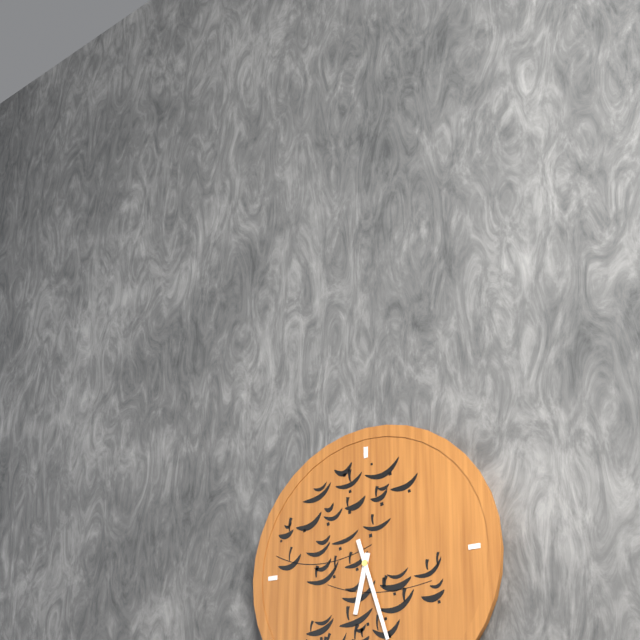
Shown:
**6:27**
